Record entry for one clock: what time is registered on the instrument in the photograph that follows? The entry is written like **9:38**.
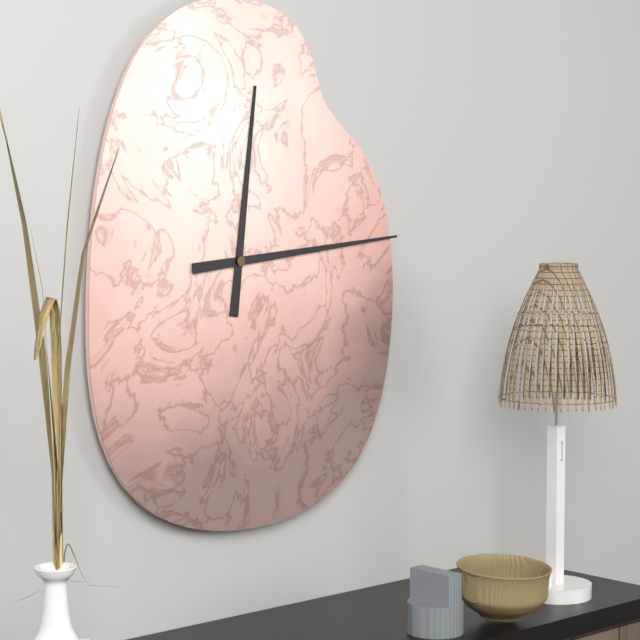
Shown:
**12:14**
